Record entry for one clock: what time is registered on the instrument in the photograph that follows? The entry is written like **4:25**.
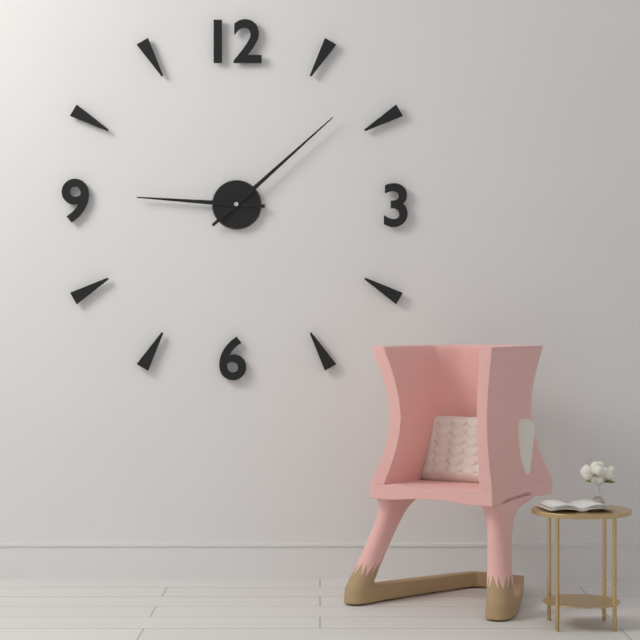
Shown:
**9:08**
